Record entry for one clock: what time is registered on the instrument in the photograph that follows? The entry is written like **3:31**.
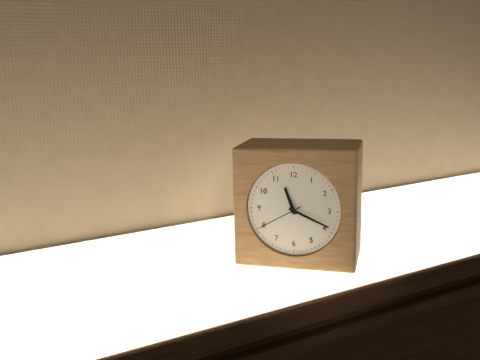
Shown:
**11:19**
